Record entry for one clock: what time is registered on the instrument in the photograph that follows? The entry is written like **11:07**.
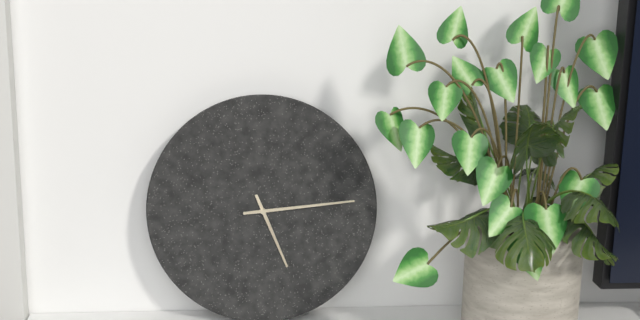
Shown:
**5:14**
